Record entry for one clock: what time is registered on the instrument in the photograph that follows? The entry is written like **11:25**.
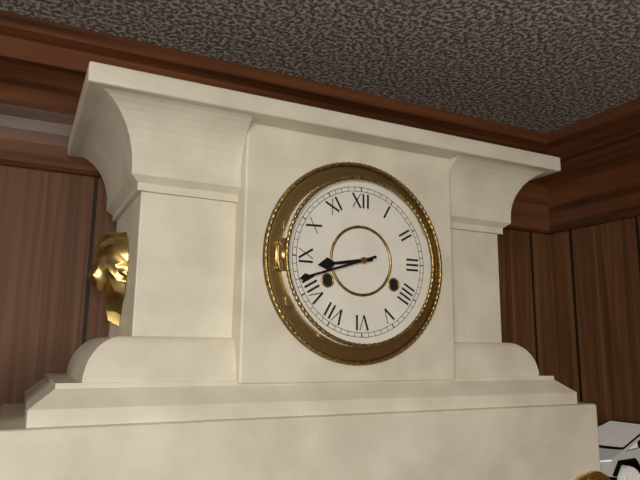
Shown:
**8:42**
